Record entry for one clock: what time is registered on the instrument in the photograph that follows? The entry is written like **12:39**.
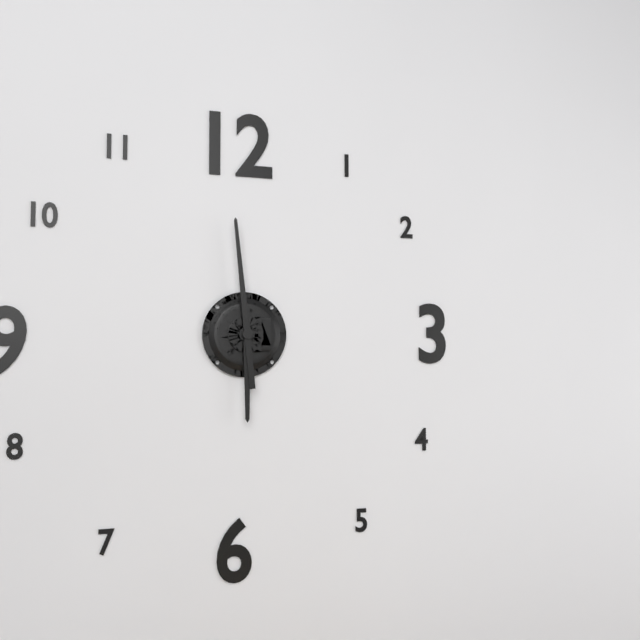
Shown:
**5:59**
